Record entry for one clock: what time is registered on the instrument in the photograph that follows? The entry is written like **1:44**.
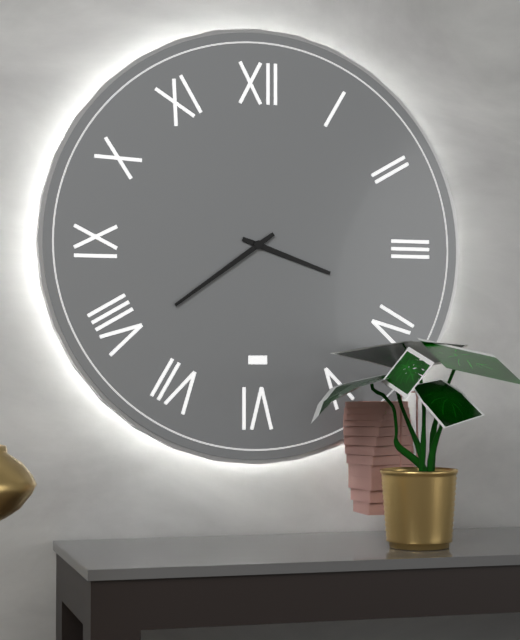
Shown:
**3:39**
